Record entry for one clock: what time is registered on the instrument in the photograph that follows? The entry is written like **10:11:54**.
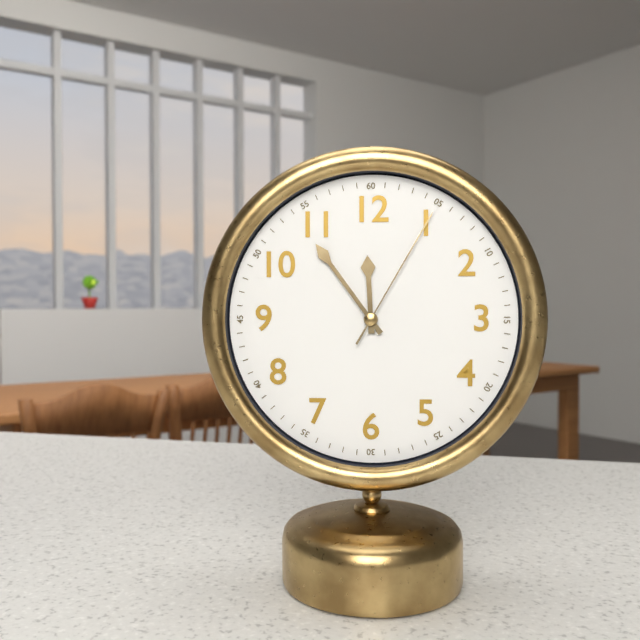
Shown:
**11:54:05**
